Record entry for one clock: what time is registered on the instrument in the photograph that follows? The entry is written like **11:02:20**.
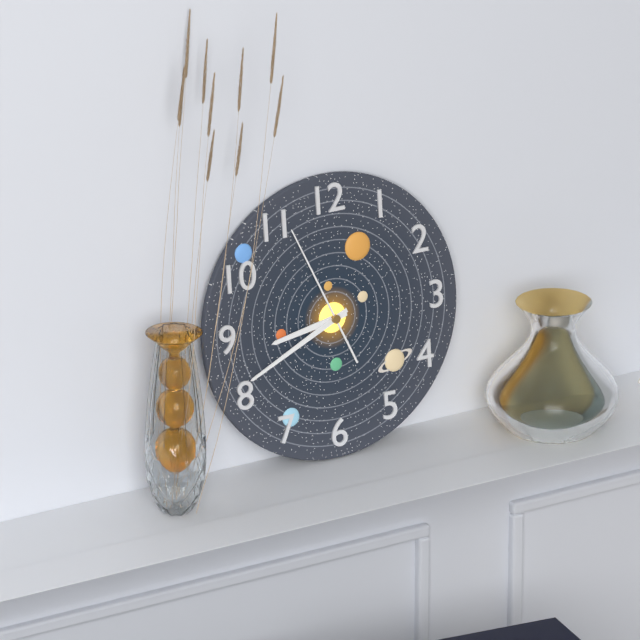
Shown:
**8:41:56**
